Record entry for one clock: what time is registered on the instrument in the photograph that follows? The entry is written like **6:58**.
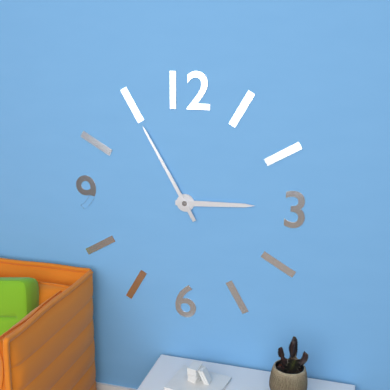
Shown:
**2:55**
